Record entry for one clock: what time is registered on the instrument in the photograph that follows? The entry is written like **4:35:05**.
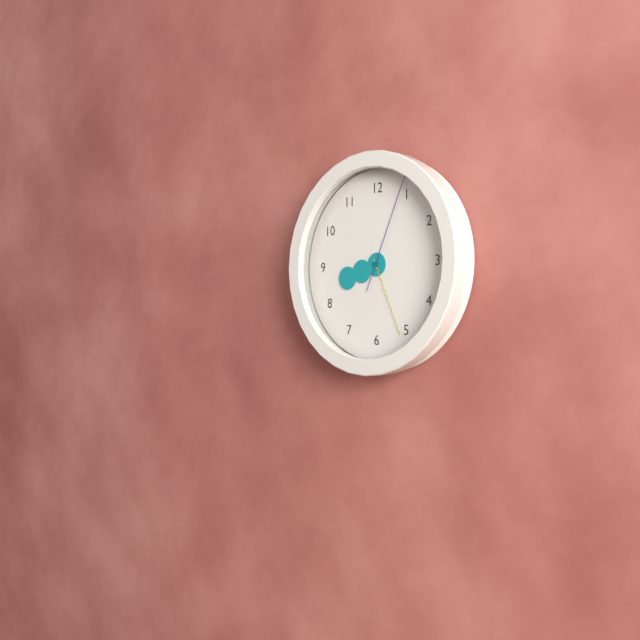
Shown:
**8:26:04**
